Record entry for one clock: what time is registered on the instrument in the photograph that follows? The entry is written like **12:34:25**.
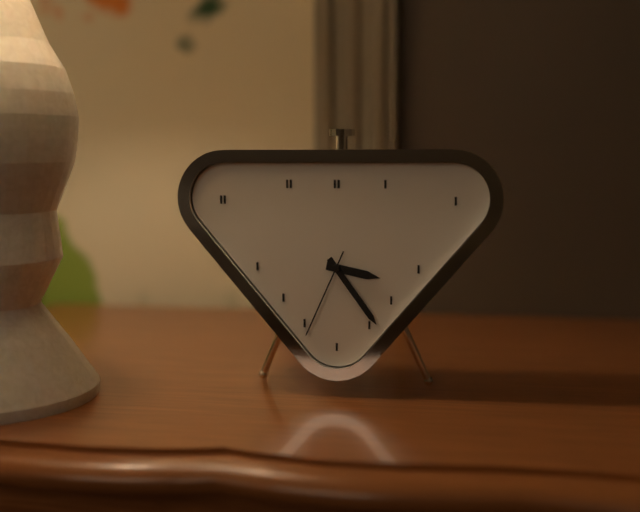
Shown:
**3:24:34**
